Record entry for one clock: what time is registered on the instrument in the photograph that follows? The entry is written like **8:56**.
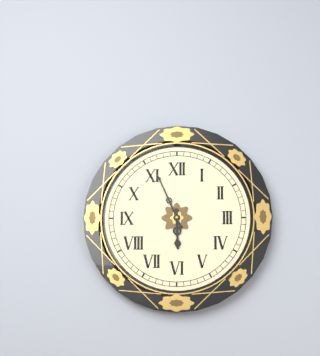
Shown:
**5:56**
